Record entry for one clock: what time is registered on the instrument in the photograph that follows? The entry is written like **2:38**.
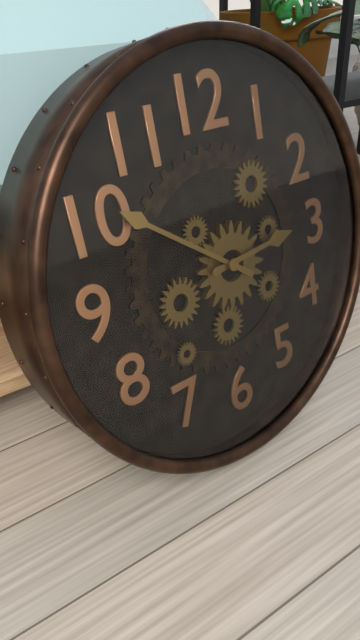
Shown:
**2:51**
